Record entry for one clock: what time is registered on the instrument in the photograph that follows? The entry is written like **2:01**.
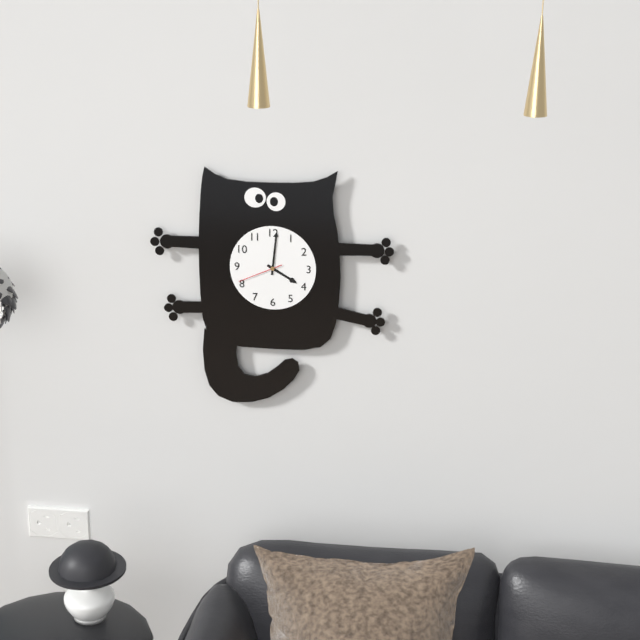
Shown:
**4:01**
